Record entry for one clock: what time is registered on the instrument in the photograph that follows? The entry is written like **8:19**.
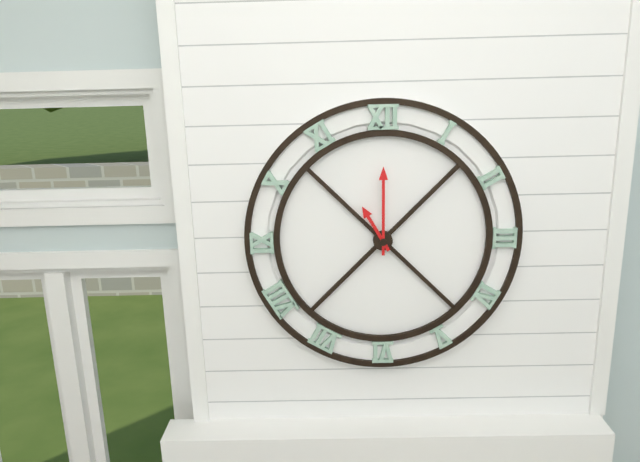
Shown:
**11:00**
